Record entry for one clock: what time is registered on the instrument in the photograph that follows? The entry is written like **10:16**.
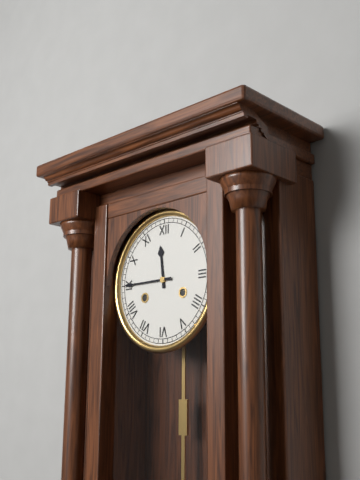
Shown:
**11:45**
